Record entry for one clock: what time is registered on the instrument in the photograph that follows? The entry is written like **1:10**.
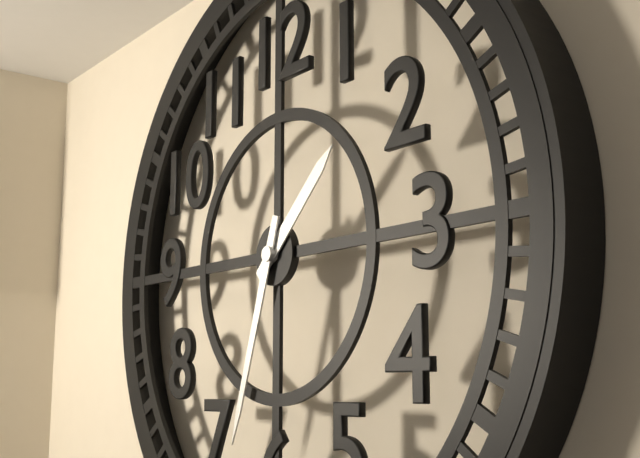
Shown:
**1:33**
